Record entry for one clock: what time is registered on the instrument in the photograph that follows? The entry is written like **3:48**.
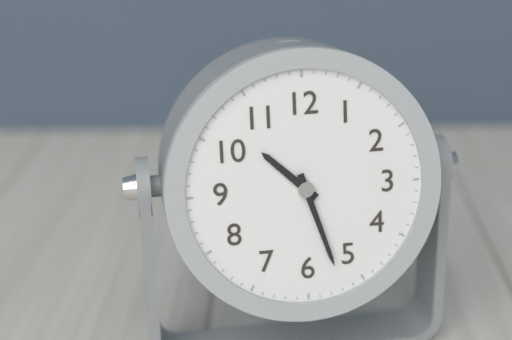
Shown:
**10:27**
